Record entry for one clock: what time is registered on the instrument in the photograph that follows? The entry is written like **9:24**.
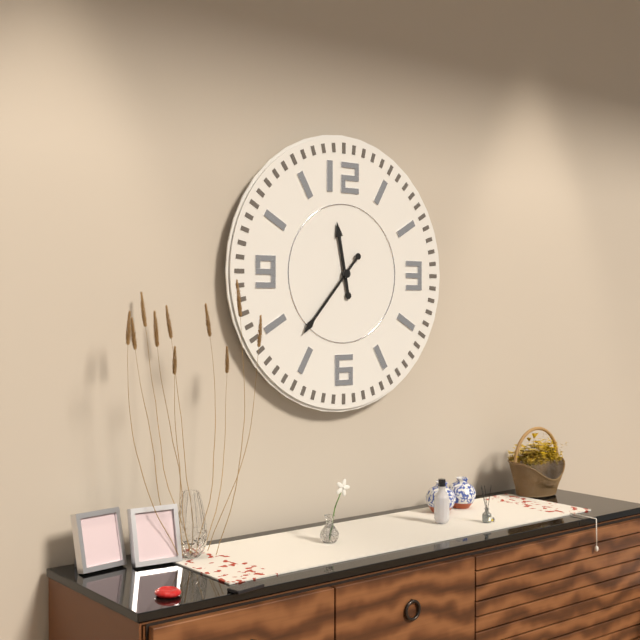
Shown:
**11:37**
